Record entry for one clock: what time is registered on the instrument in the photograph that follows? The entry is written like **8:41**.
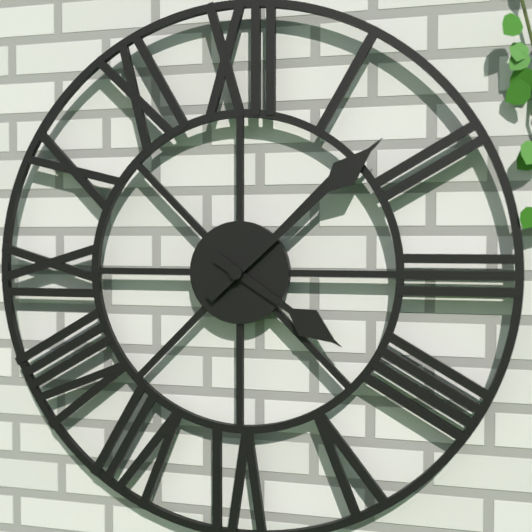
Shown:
**4:08**
